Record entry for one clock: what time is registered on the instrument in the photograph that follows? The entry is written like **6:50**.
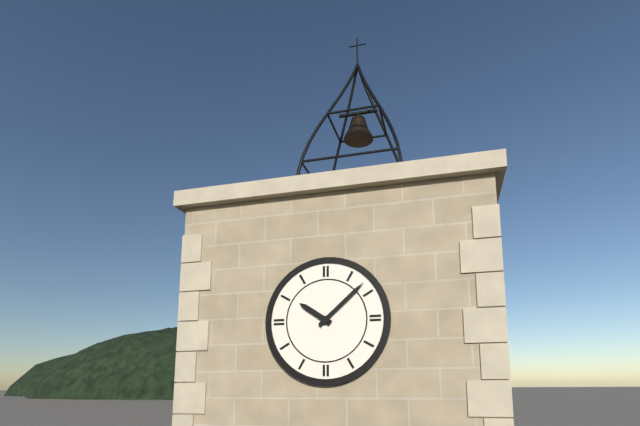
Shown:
**10:08**
